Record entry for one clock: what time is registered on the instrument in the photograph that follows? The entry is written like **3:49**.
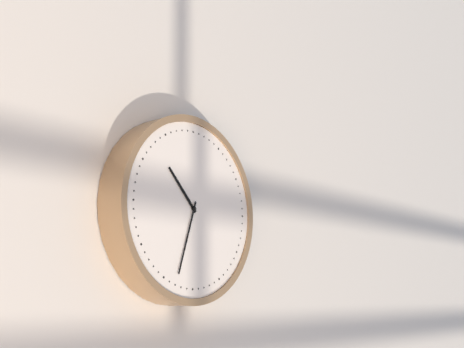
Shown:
**10:33**
